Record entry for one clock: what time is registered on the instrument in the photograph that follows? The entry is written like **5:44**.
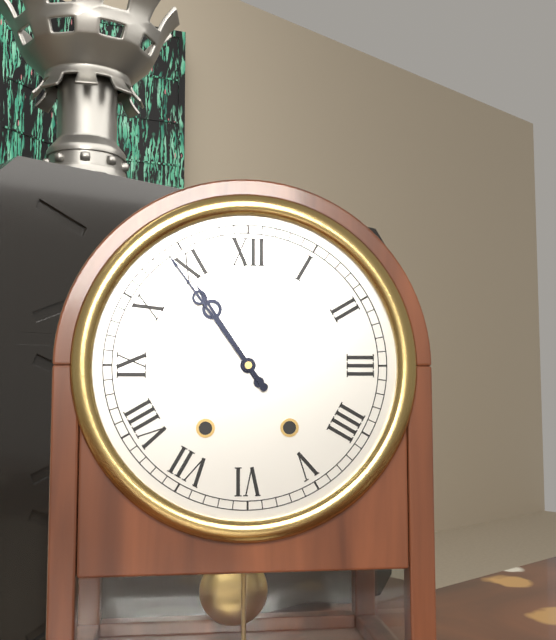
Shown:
**10:54**
